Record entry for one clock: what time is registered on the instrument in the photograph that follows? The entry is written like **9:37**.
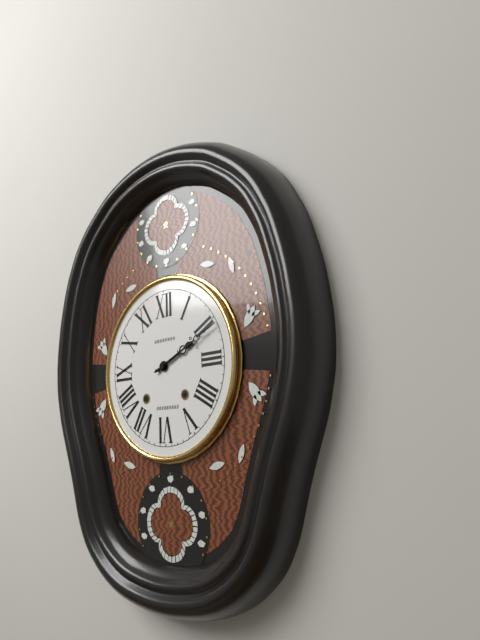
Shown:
**2:11**
